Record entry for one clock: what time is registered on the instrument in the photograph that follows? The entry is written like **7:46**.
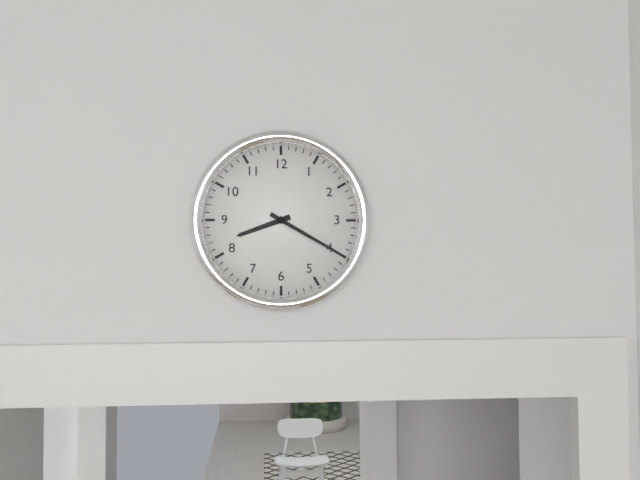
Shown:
**8:20**
